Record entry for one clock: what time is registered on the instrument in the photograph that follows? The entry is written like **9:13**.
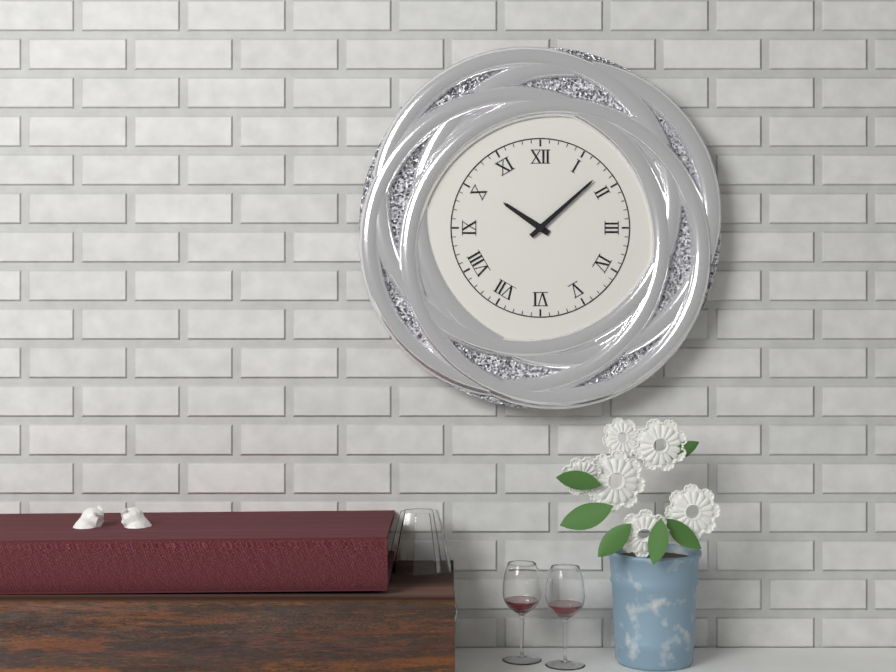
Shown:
**10:08**
